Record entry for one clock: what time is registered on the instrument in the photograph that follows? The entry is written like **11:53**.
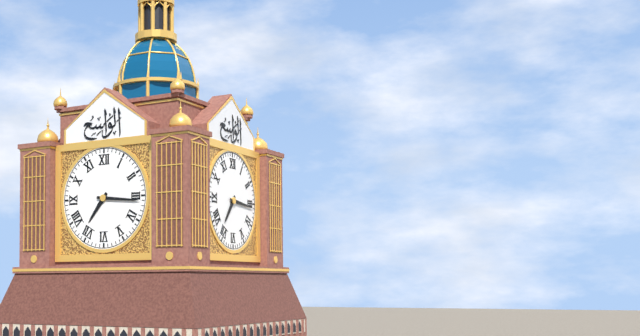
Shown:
**7:16**
